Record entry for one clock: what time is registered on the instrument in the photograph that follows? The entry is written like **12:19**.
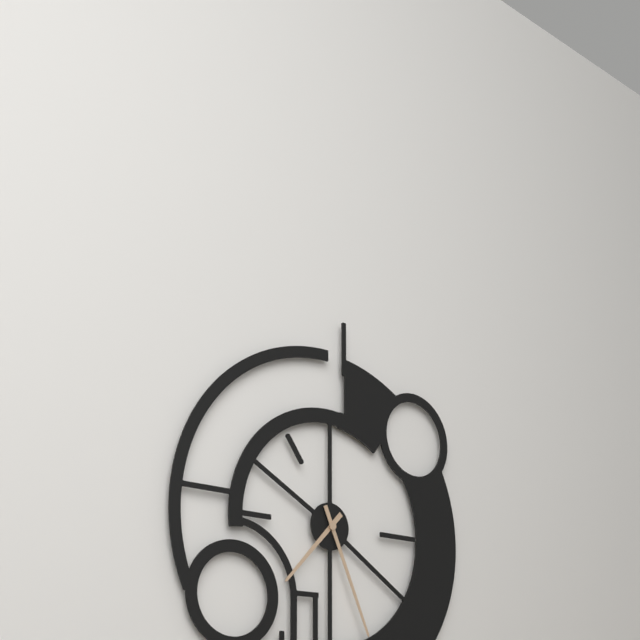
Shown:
**7:26**
